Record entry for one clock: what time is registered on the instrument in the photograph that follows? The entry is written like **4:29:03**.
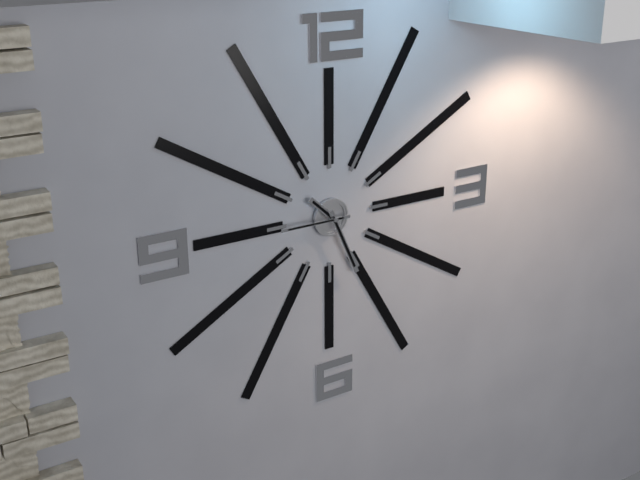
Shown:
**10:26:45**
